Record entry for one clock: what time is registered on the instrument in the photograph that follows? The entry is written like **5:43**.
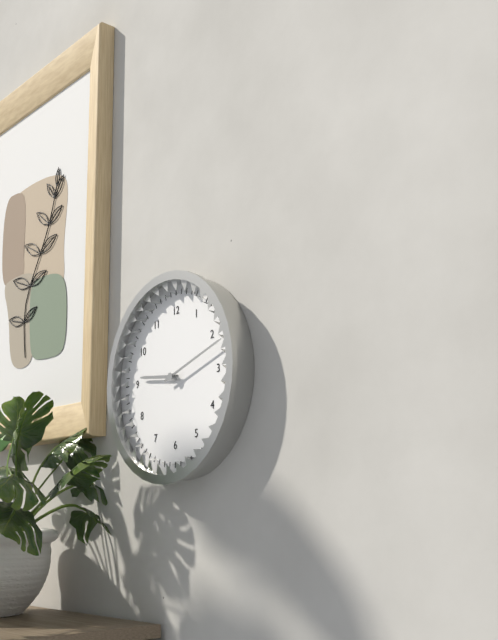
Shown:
**9:12**
